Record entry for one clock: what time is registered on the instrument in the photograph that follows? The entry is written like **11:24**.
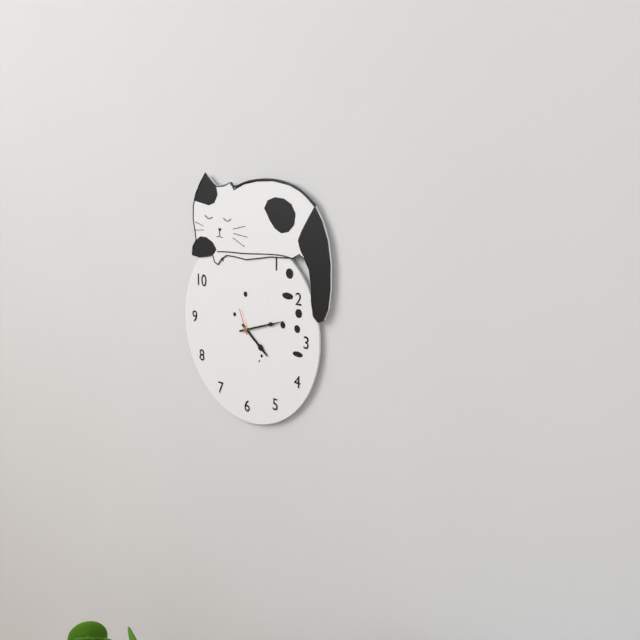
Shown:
**4:12**
